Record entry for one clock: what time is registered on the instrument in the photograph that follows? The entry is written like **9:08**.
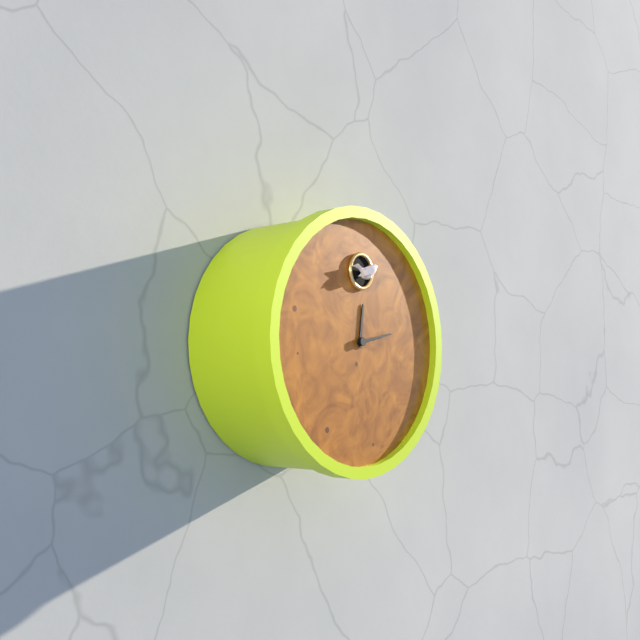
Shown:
**12:13**
